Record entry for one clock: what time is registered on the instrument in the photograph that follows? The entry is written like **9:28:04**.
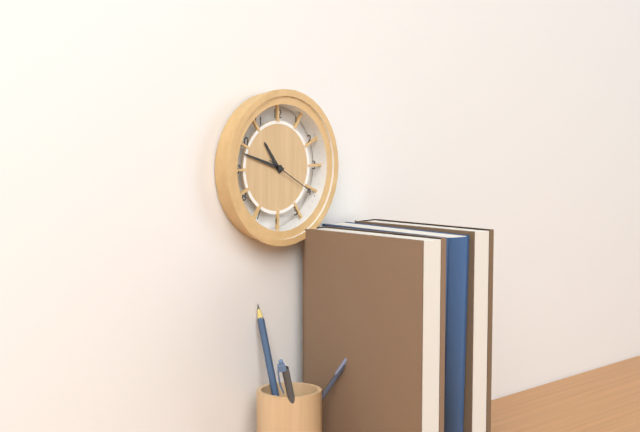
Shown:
**10:48:20**
